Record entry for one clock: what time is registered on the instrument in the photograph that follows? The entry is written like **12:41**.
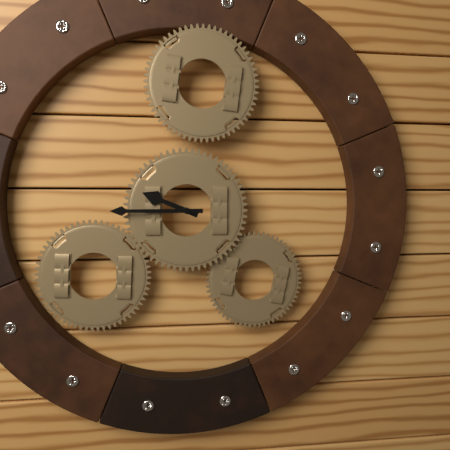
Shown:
**9:45**
